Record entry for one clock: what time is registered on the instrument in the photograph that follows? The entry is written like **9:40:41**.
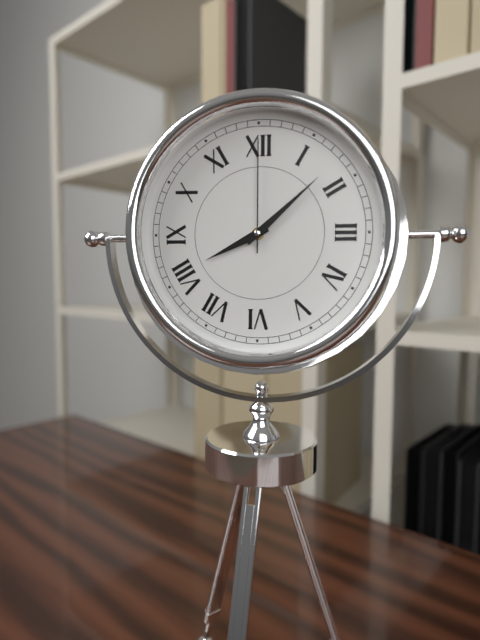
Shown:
**8:08:00**
